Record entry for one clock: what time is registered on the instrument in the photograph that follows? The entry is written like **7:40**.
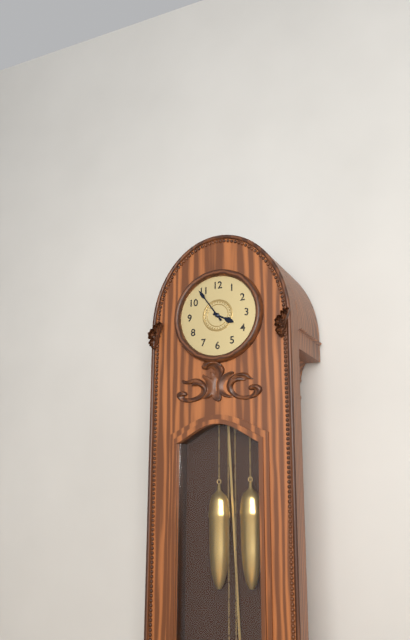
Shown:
**3:54**
